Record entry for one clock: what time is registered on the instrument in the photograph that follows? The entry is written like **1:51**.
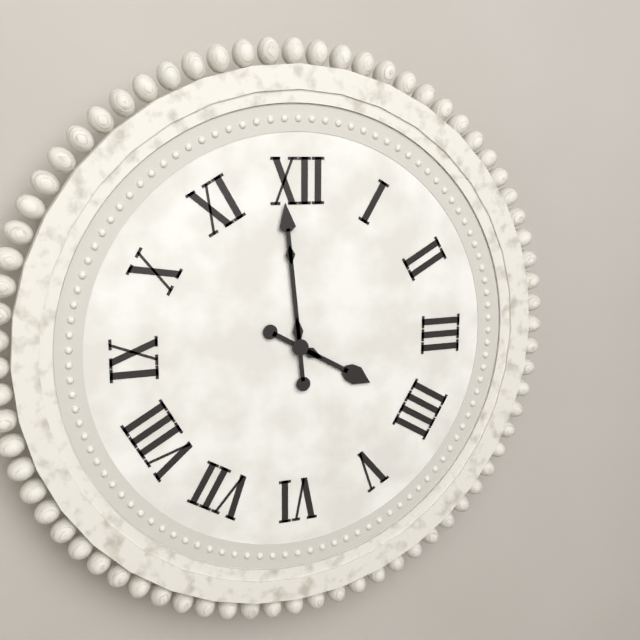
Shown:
**3:59**
